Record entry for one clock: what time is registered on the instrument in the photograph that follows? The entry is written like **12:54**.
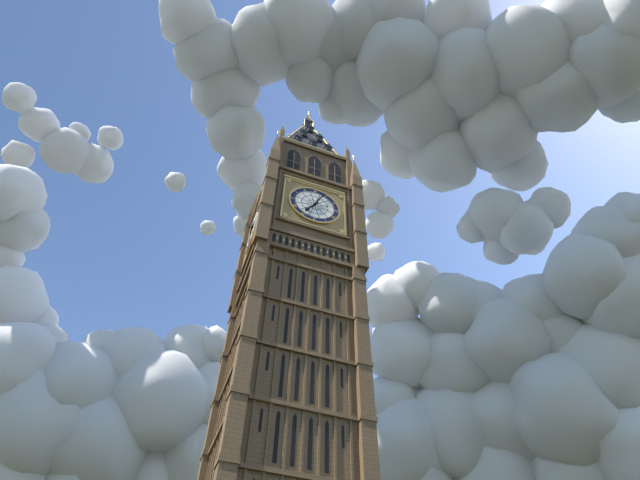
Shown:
**7:04**
